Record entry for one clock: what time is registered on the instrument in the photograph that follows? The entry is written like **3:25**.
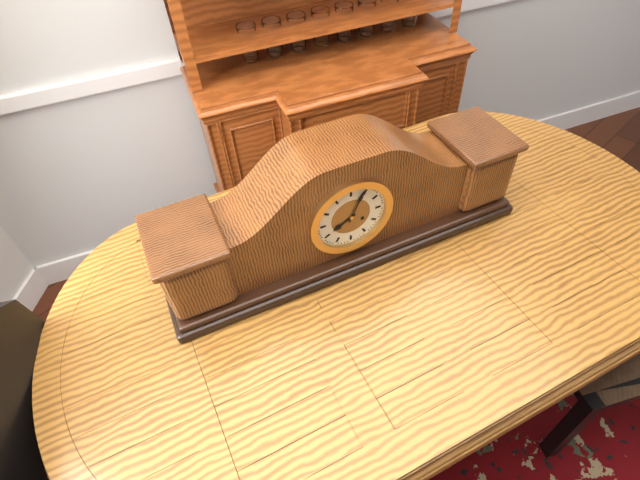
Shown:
**8:04**
